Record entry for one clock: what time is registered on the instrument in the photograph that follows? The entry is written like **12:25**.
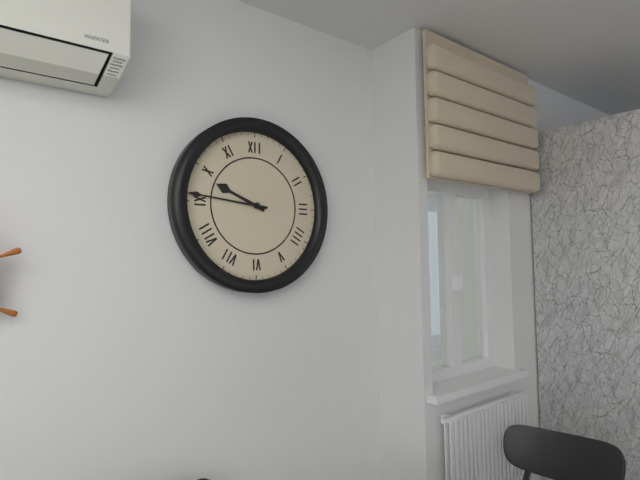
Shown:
**9:46**
